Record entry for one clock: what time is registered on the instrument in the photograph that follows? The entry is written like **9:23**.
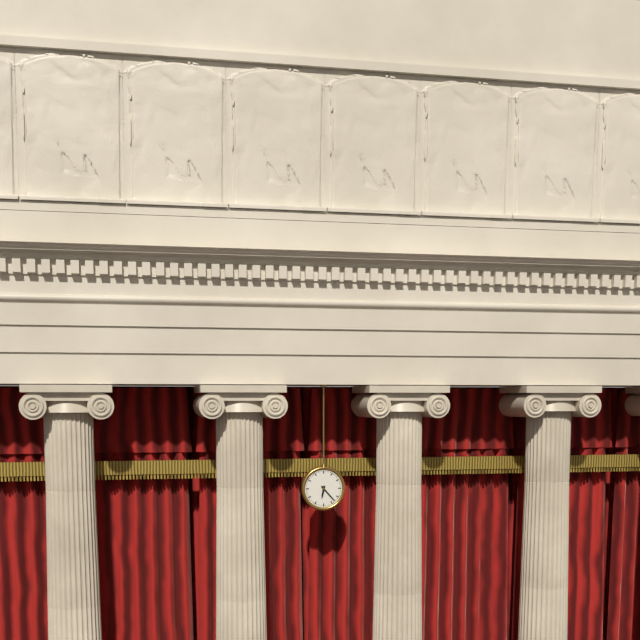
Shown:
**6:23**
